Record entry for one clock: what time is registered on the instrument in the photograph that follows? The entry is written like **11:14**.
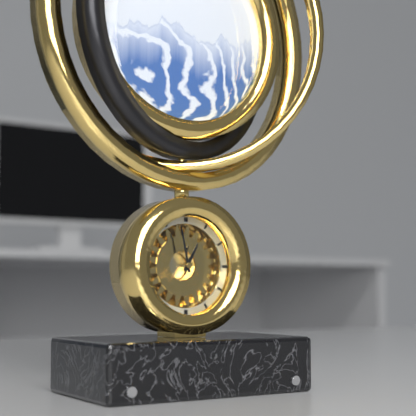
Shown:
**12:58**
